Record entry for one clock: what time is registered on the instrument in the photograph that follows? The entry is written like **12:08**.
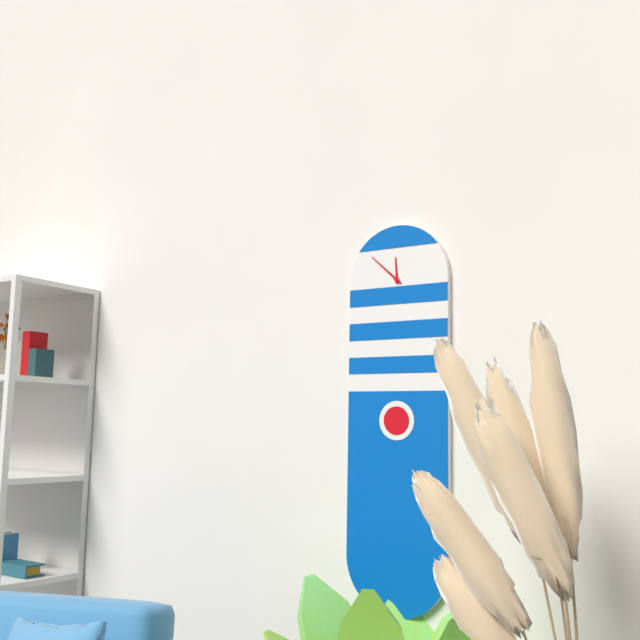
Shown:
**11:52**
